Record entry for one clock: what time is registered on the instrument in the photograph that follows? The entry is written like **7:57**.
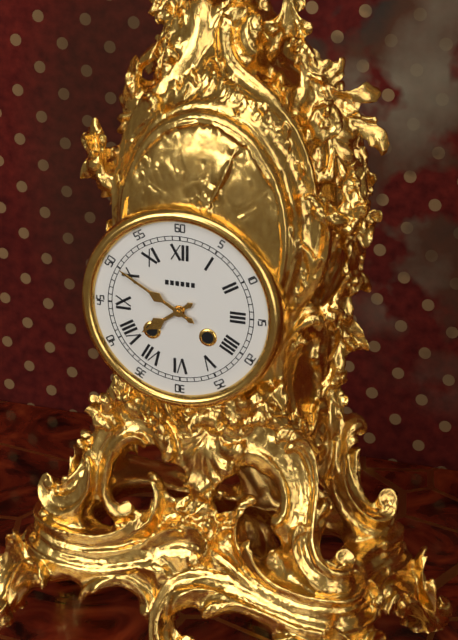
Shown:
**7:50**
